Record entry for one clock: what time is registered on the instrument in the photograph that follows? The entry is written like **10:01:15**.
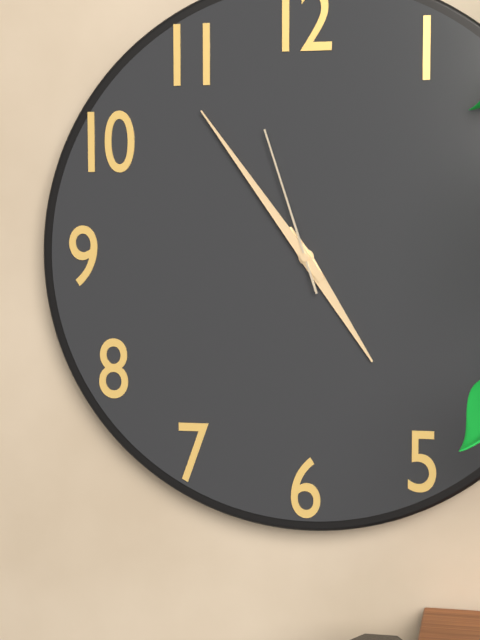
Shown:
**4:54:57**
